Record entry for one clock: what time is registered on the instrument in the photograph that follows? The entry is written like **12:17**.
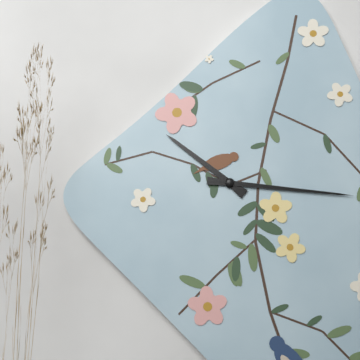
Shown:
**10:16**
